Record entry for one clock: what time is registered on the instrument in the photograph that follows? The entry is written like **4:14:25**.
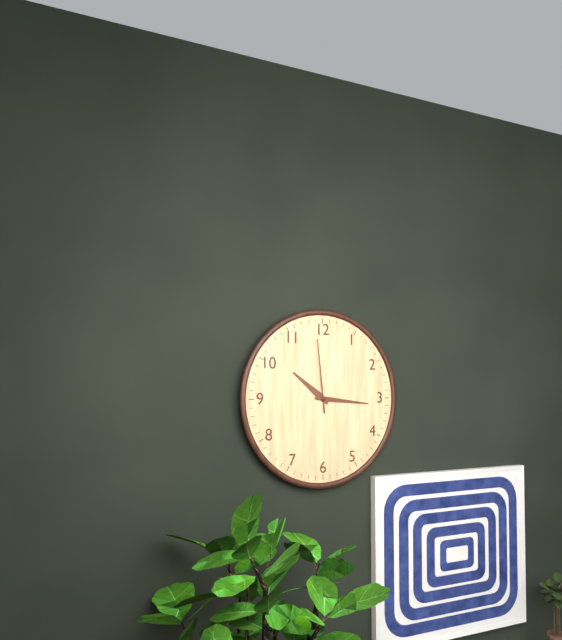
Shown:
**10:16:59**
